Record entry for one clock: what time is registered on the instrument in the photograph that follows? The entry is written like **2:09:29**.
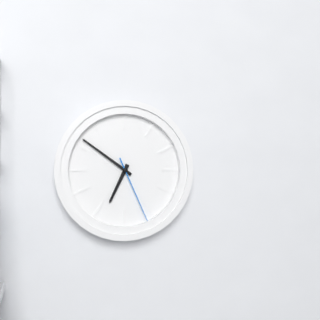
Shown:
**6:51:26**
